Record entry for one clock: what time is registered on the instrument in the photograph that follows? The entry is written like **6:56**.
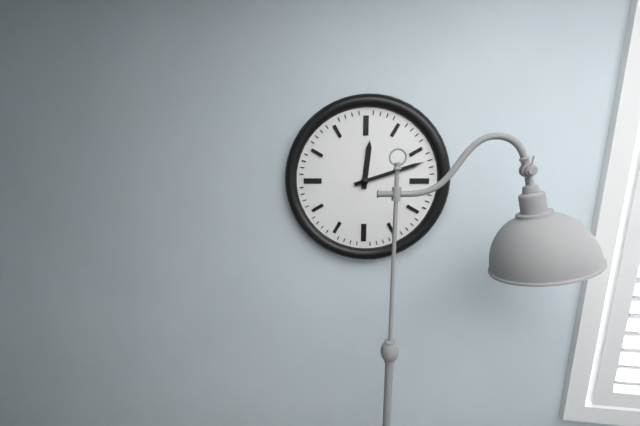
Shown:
**12:12**
